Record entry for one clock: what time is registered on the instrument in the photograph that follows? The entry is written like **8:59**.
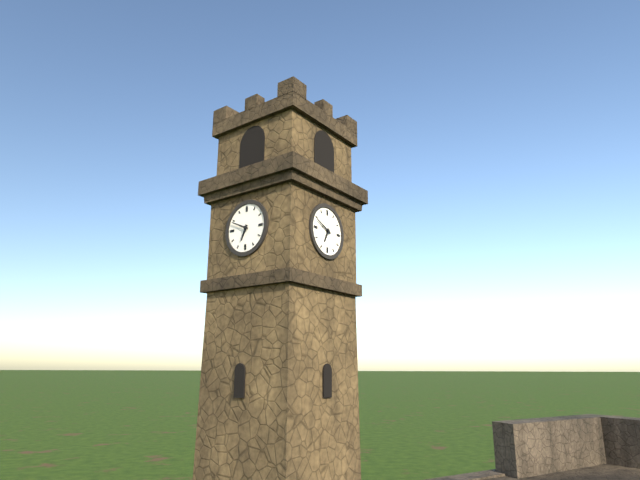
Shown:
**6:49**
